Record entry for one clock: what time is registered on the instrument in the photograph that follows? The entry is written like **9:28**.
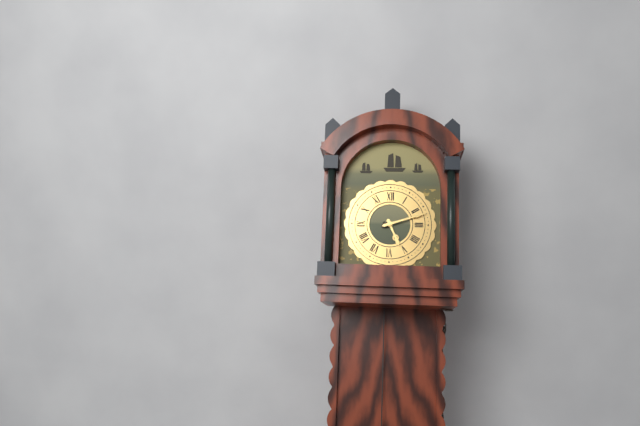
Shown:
**5:12**
